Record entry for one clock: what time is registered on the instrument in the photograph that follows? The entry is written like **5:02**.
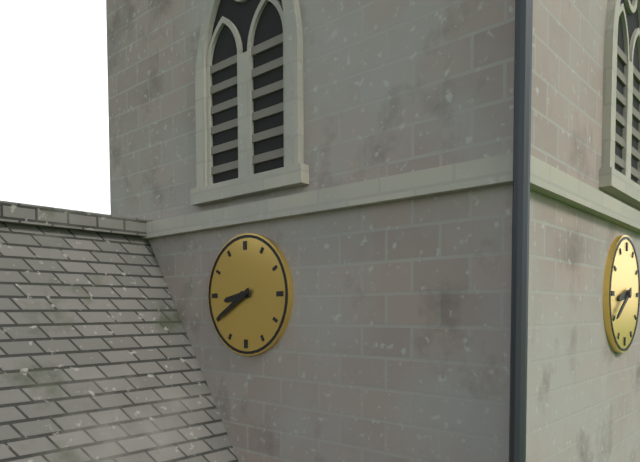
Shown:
**8:40**
